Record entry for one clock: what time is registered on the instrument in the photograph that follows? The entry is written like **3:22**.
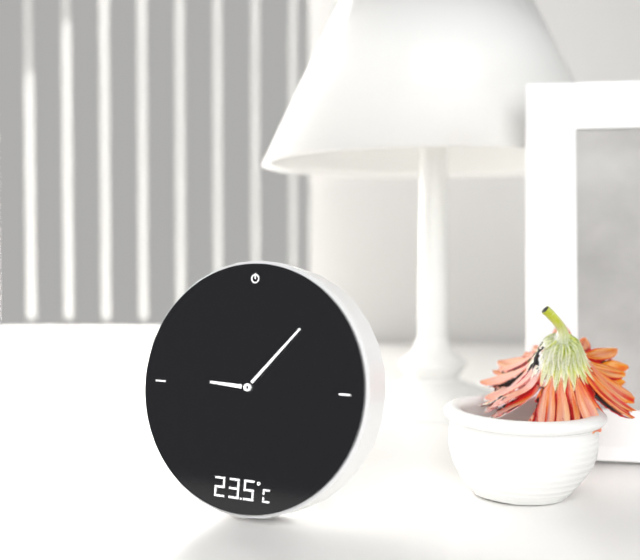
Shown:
**9:07**
